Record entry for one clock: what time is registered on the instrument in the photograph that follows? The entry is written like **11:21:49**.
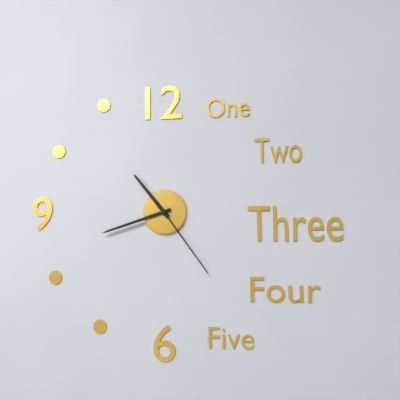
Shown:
**10:42:24**
